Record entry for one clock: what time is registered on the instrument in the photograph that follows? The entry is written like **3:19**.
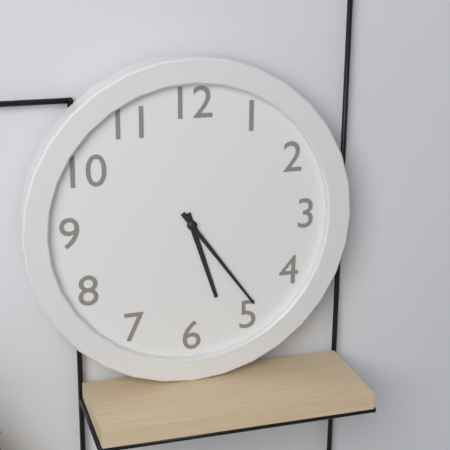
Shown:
**5:24**
